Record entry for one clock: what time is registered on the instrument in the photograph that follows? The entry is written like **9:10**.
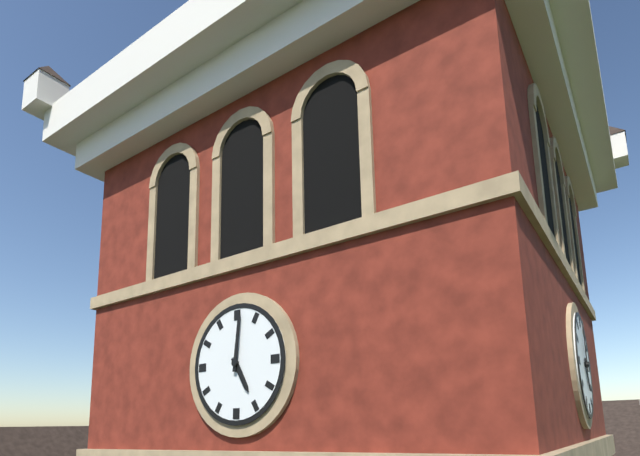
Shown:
**5:01**
